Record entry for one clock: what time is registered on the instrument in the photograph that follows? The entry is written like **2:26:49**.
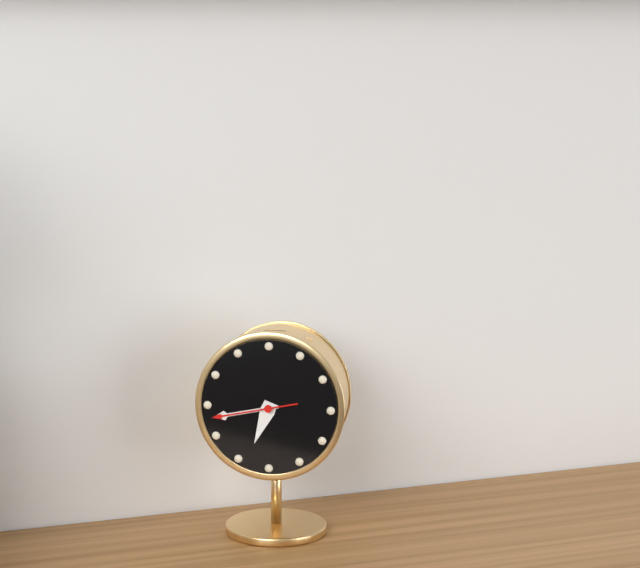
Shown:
**6:43:43**
